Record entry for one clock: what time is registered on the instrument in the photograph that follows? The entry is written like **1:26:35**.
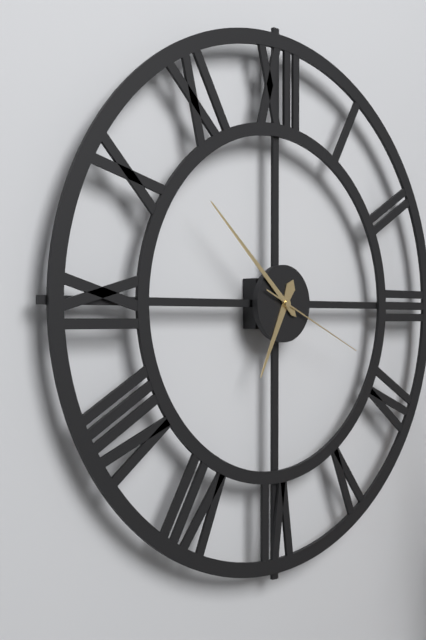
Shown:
**6:52:19**
